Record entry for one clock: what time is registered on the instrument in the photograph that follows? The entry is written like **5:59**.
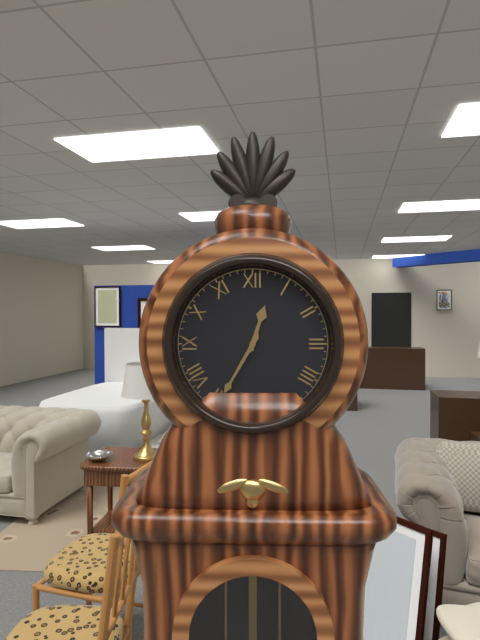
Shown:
**12:35**
